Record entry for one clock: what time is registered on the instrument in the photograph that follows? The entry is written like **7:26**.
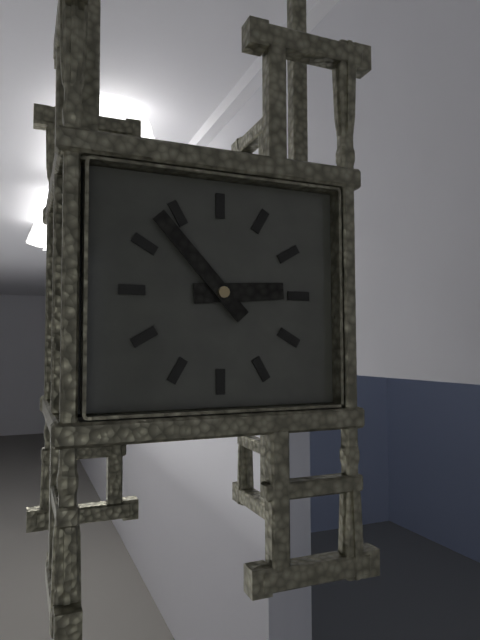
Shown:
**2:53**
